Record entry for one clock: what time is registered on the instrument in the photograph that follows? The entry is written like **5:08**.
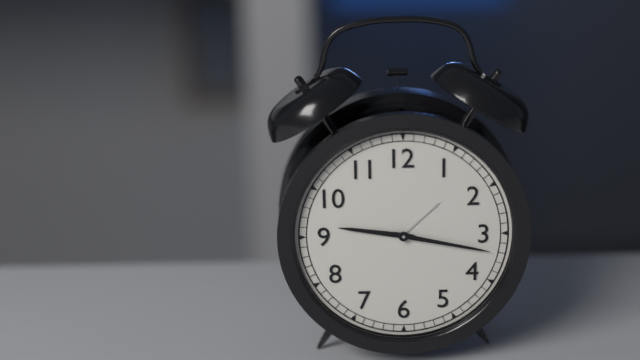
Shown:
**9:17**
